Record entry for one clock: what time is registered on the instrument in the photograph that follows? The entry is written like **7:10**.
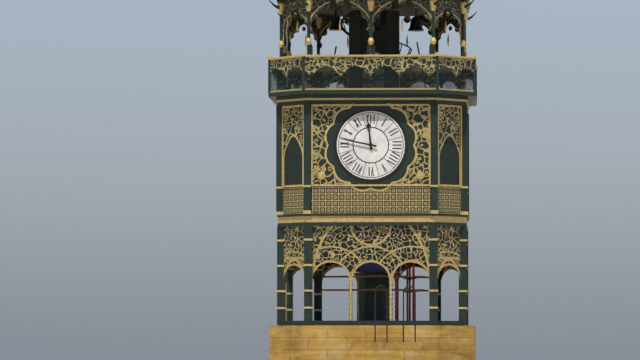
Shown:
**11:47**
